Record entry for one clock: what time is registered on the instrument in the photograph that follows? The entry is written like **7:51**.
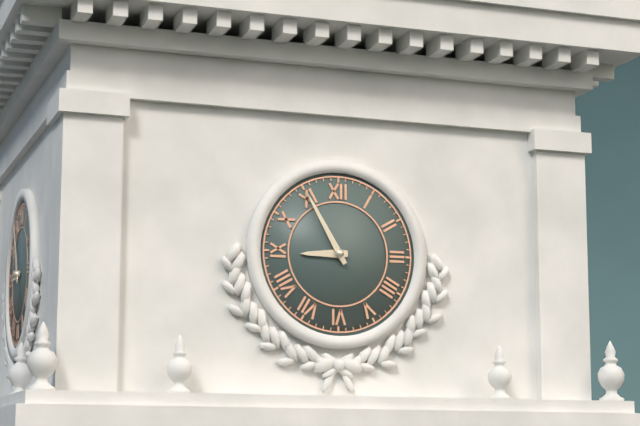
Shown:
**8:55**
